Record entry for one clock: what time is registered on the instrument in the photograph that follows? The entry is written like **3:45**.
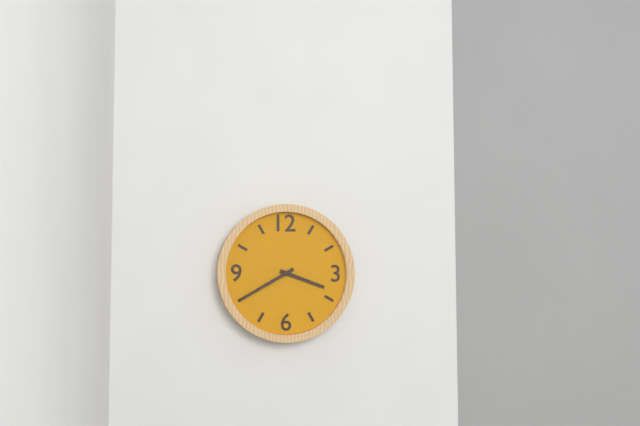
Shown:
**3:40**
